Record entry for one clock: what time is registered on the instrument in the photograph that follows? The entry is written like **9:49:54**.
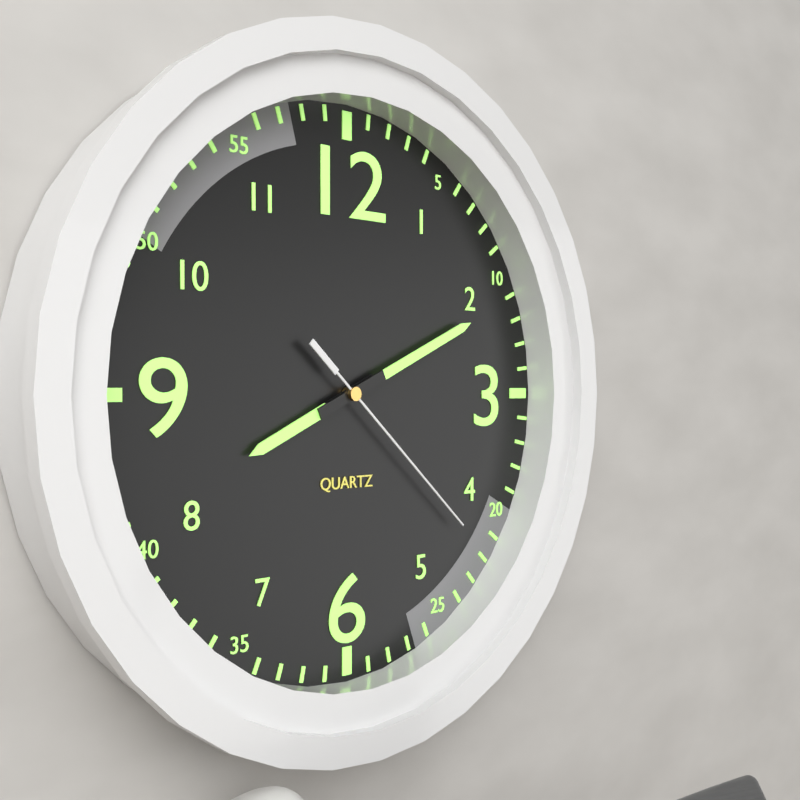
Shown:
**8:11:22**
